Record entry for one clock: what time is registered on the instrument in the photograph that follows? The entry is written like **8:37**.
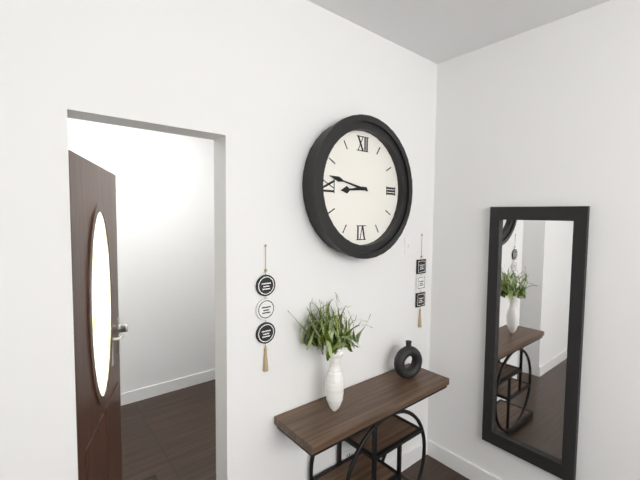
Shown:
**8:47**
